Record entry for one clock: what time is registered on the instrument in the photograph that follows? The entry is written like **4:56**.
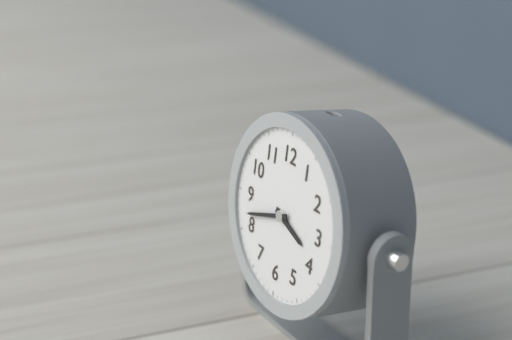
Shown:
**3:42**
